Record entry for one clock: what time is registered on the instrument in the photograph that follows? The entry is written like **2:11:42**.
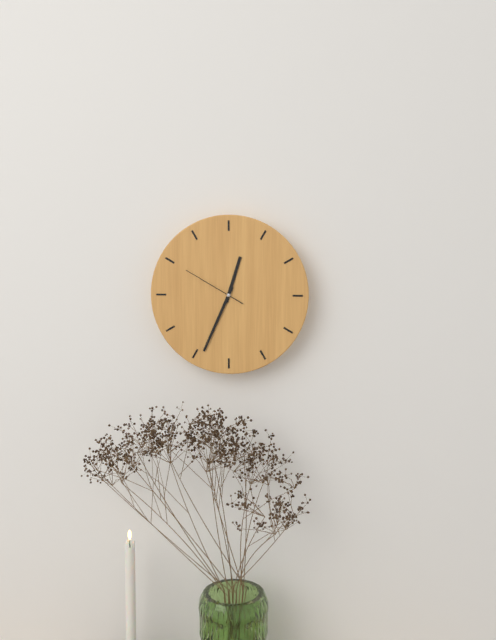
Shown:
**12:34:50**
